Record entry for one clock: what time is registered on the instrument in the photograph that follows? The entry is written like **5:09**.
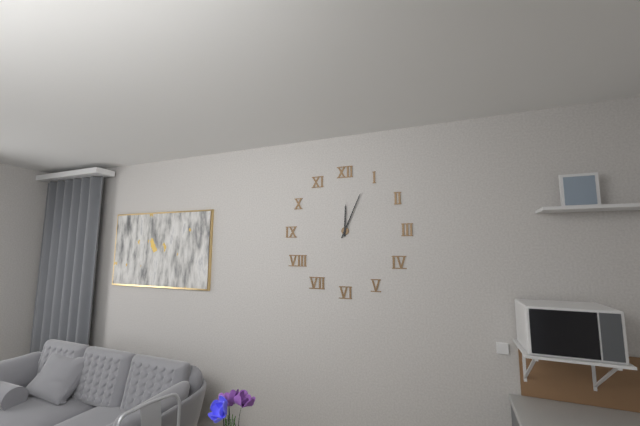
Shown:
**12:04**
